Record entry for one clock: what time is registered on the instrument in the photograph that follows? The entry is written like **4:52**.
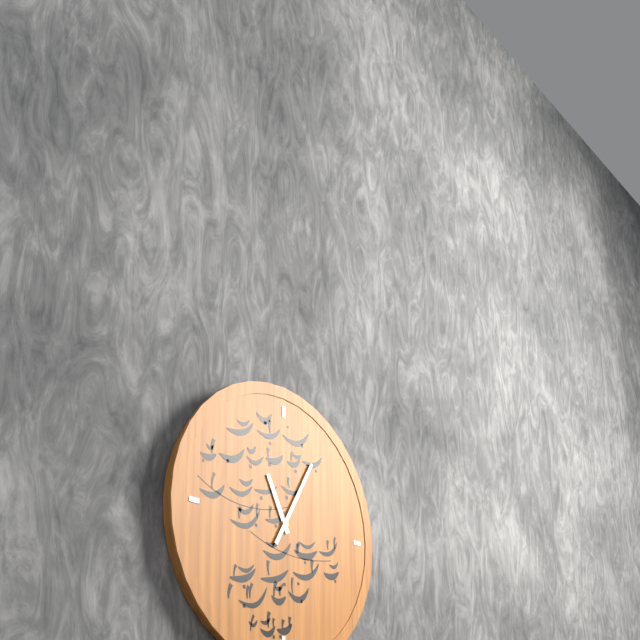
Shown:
**11:05**
